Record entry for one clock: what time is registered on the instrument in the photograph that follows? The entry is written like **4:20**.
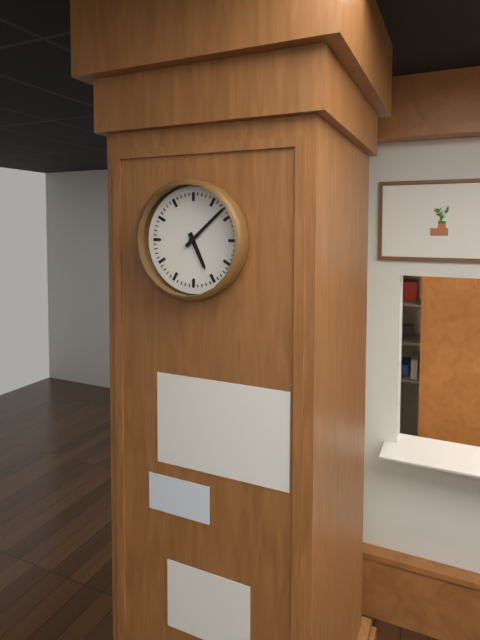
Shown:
**5:08**
